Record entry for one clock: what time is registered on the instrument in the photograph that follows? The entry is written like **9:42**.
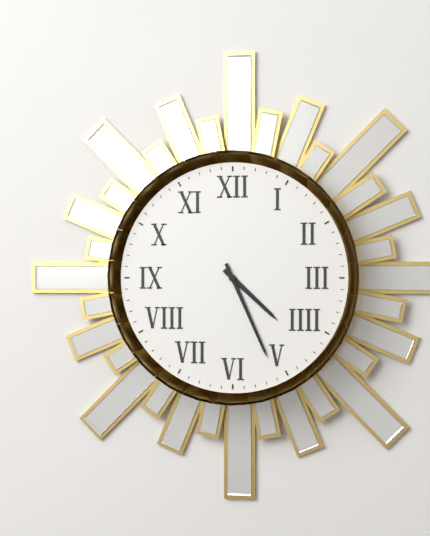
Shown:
**4:26**
